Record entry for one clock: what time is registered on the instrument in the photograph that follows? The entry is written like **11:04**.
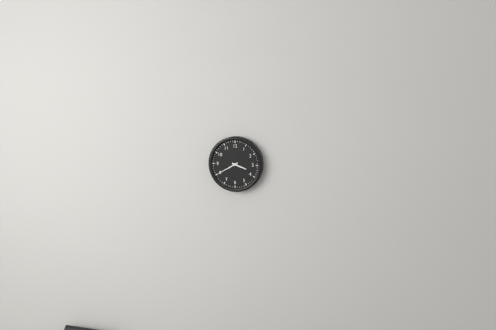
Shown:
**3:40**
